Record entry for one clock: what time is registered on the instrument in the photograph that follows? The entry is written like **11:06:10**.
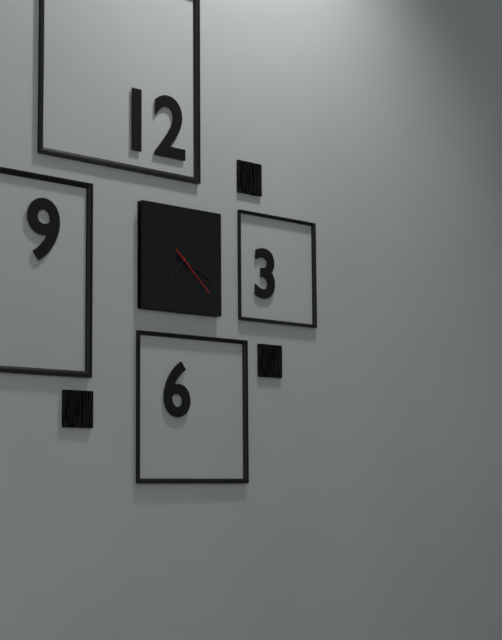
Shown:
**7:19:22**
